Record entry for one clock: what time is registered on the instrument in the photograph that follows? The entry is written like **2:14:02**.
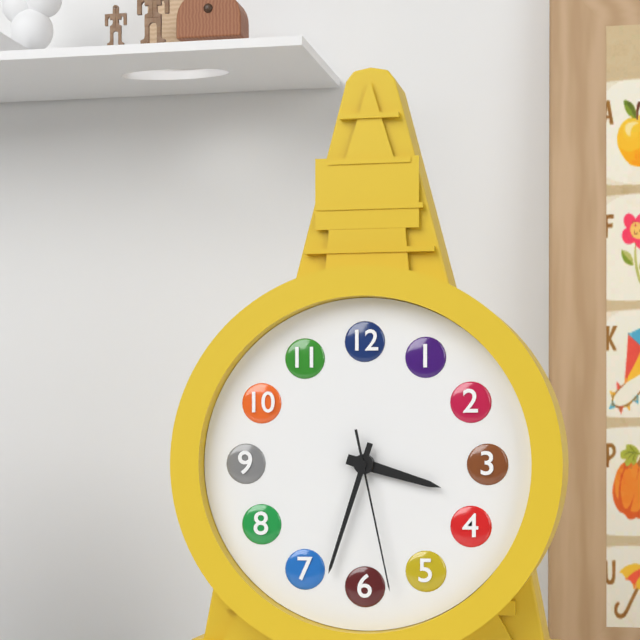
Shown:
**3:33:28**
